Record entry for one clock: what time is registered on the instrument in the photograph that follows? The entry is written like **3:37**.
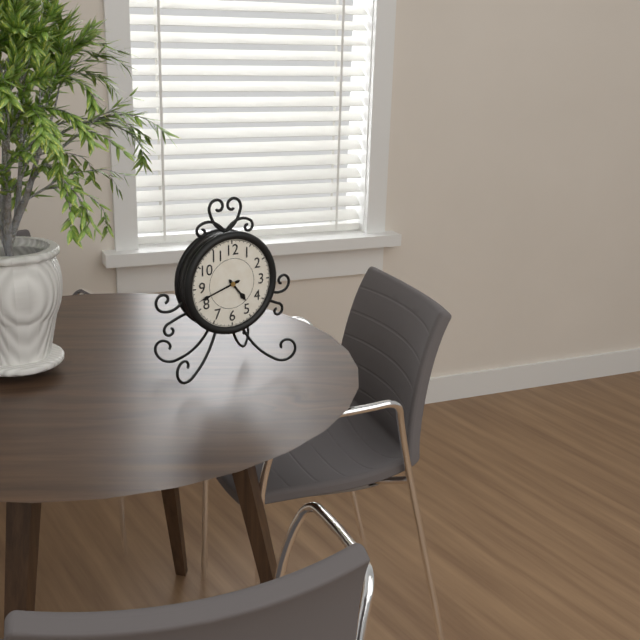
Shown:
**4:42**
